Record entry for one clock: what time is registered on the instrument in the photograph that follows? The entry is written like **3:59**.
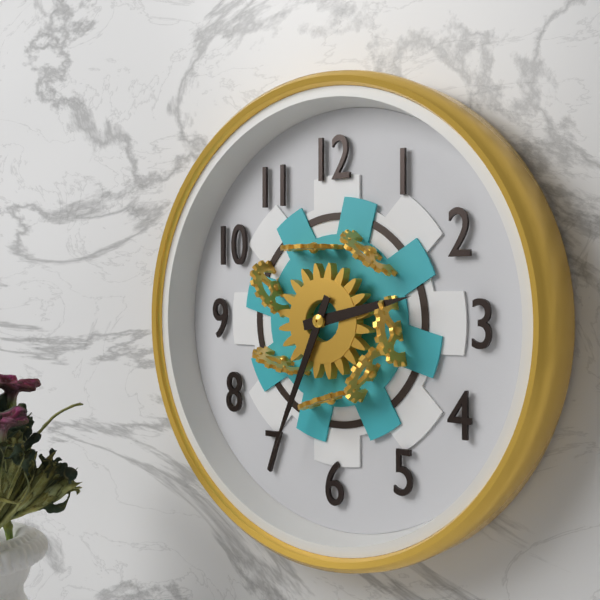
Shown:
**2:34**
